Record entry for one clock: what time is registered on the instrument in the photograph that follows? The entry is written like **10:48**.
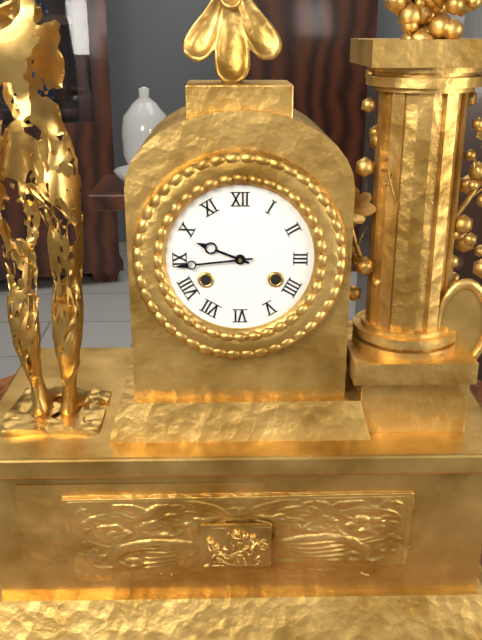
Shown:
**9:44**
